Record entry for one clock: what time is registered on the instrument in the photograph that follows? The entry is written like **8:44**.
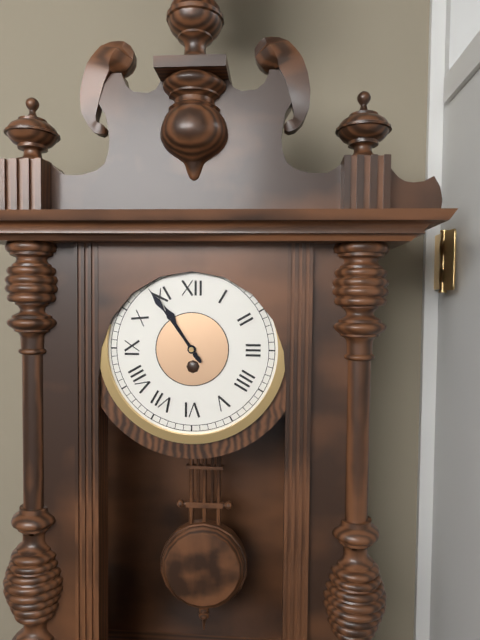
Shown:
**10:54**
